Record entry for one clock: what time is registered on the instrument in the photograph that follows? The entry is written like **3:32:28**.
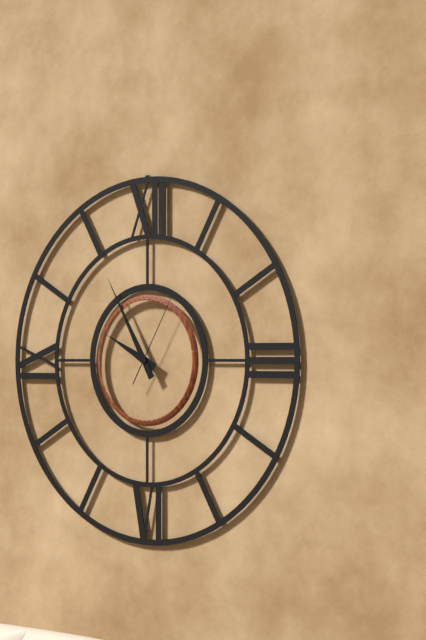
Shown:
**9:55:05**
